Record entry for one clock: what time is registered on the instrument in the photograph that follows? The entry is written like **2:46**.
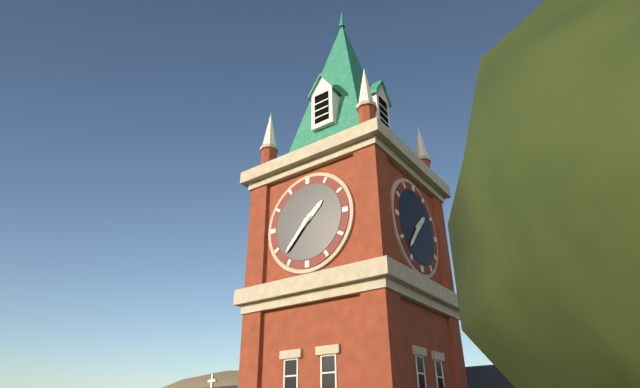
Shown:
**1:37**
